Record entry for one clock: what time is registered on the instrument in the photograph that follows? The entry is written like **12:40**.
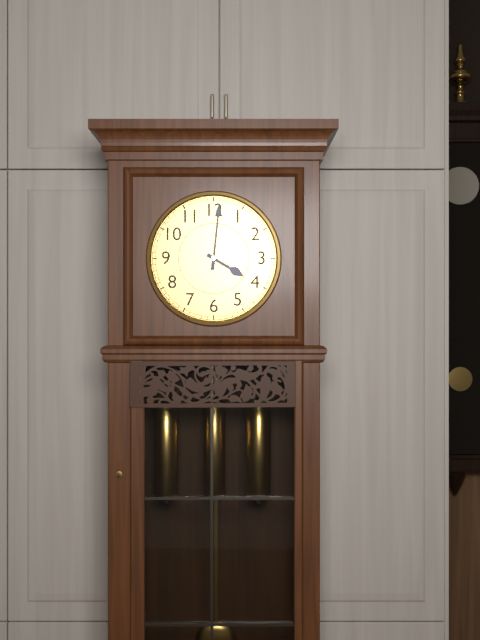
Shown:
**4:01**
